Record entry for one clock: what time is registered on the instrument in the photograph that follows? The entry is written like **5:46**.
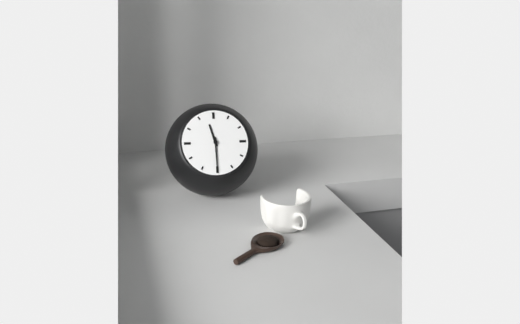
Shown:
**11:30**
